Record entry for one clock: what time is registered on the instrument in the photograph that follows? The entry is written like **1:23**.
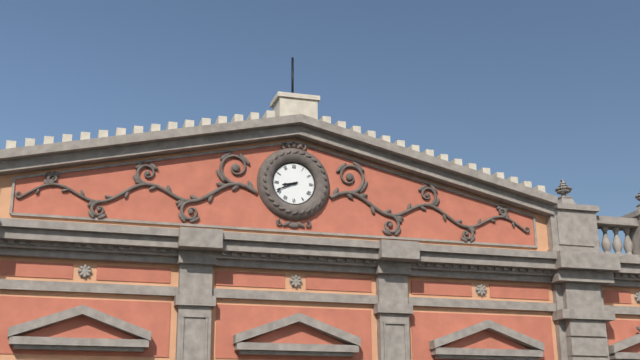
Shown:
**8:41**
